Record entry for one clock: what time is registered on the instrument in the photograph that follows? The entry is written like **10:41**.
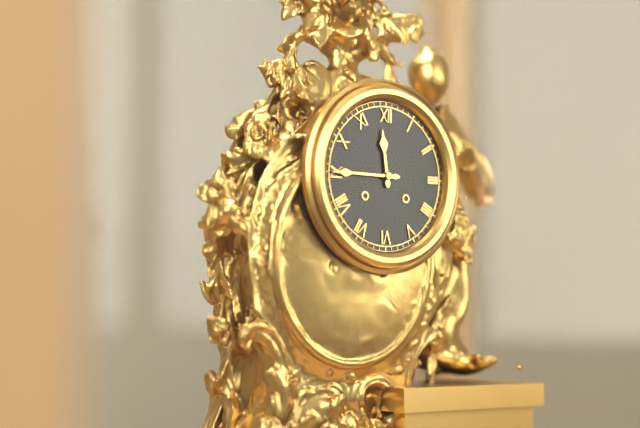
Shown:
**11:45**
